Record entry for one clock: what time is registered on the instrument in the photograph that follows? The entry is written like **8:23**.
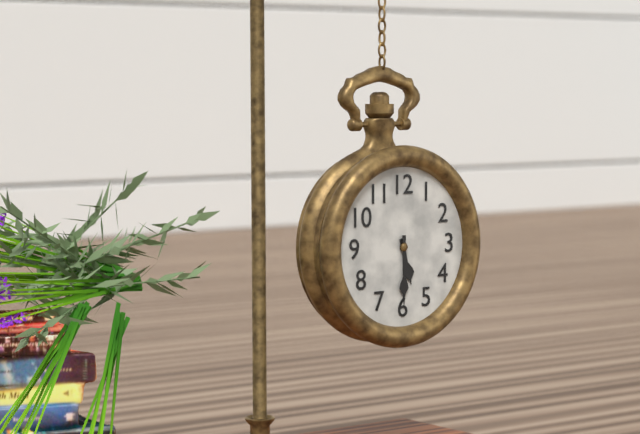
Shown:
**5:30**
